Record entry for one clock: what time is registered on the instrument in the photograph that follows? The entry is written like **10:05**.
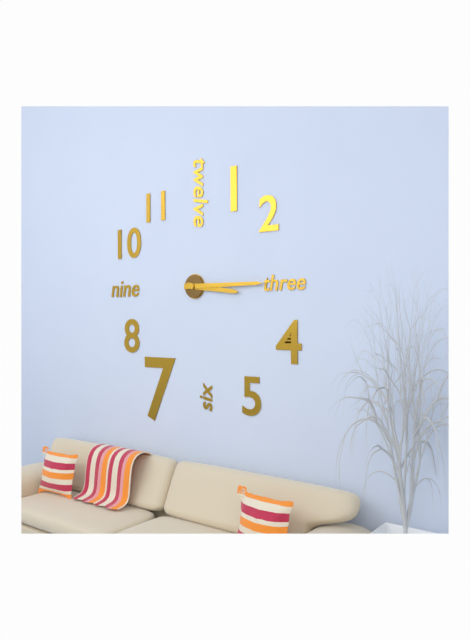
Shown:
**3:15**
